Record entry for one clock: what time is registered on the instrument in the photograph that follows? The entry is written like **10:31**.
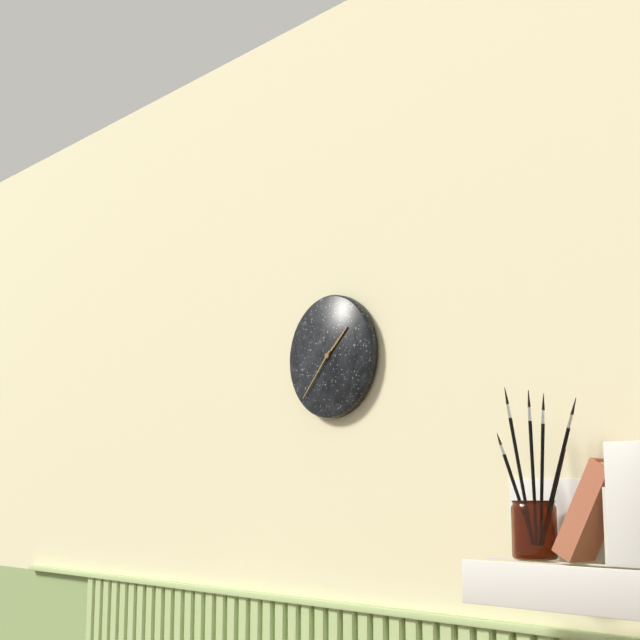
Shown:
**1:37**
